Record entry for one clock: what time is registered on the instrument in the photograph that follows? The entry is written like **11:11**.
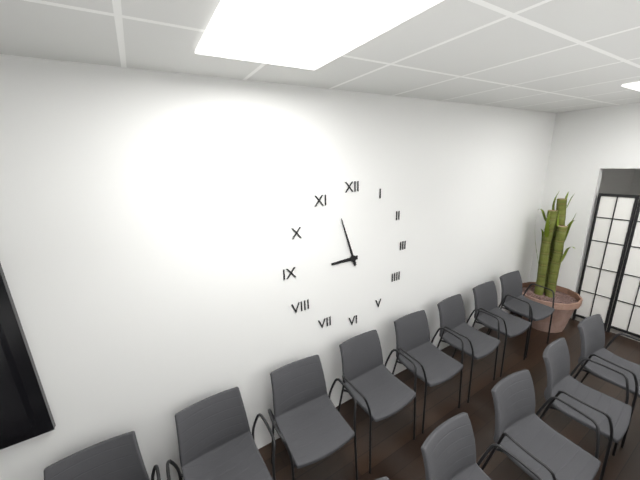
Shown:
**8:57**
